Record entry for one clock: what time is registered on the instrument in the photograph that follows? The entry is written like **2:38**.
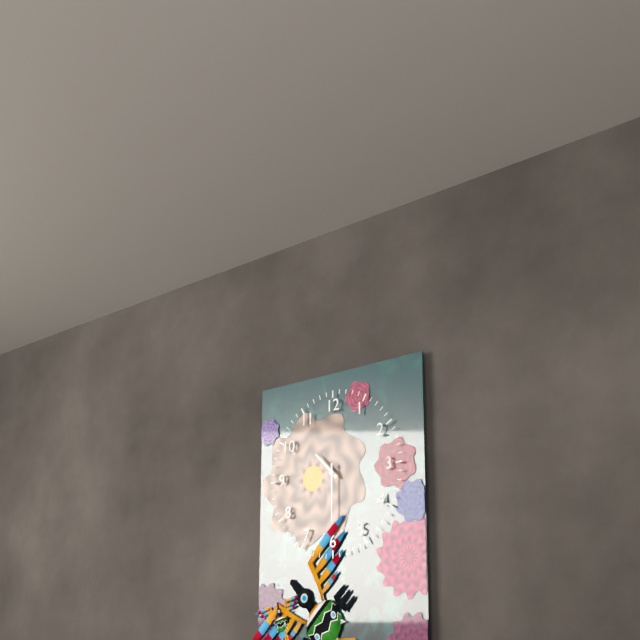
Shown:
**10:30**
